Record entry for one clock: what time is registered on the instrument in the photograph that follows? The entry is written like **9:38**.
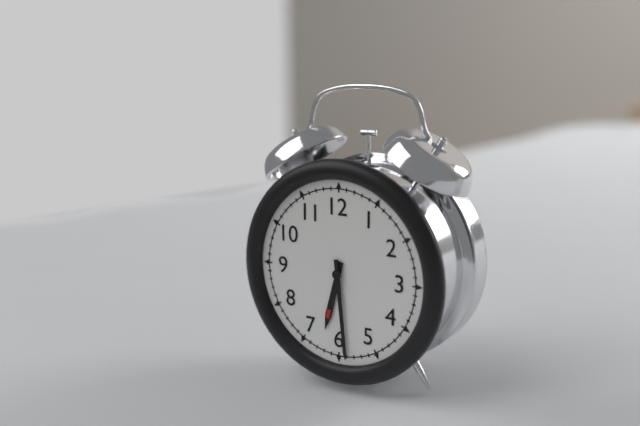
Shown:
**6:29**
